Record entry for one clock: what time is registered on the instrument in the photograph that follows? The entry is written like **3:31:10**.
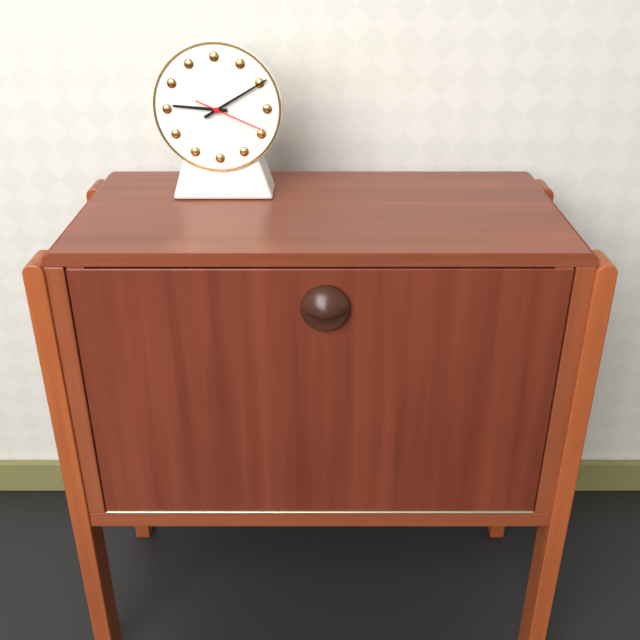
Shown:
**9:10:19**
